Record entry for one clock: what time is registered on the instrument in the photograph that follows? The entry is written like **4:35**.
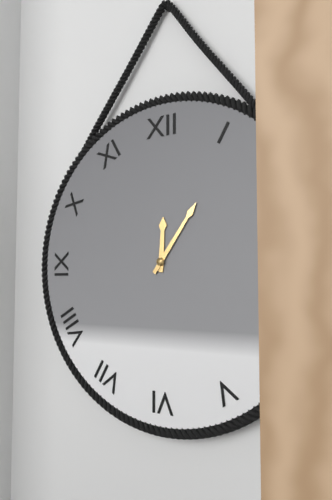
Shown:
**12:06**
